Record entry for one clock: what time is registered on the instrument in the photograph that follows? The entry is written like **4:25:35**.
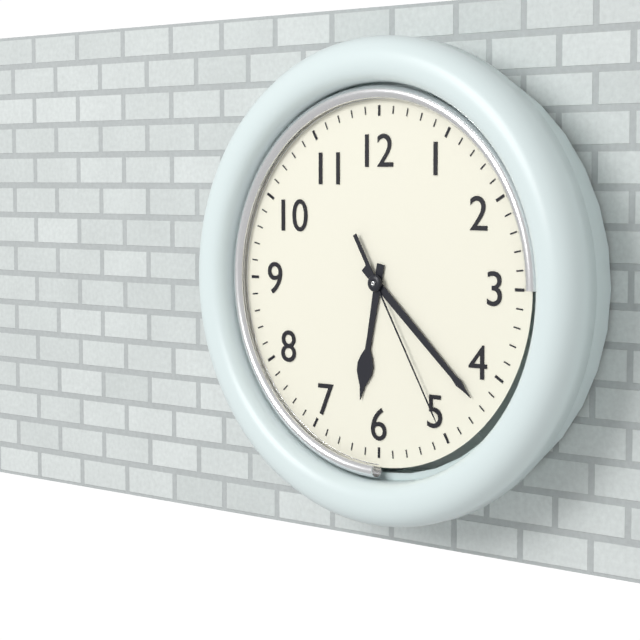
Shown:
**6:22:25**
